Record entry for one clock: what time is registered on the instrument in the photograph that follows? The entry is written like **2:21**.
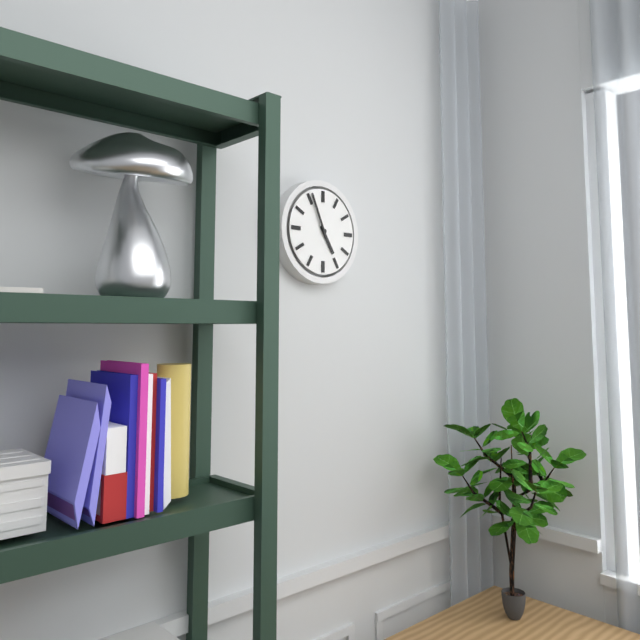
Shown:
**4:56**
